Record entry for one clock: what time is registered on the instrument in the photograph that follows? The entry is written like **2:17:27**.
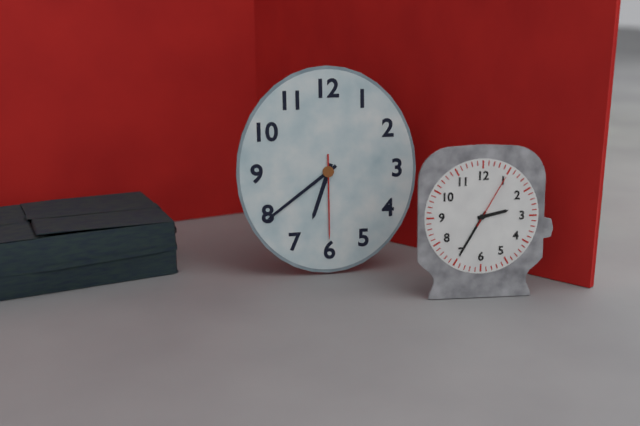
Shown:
**6:39:30**
